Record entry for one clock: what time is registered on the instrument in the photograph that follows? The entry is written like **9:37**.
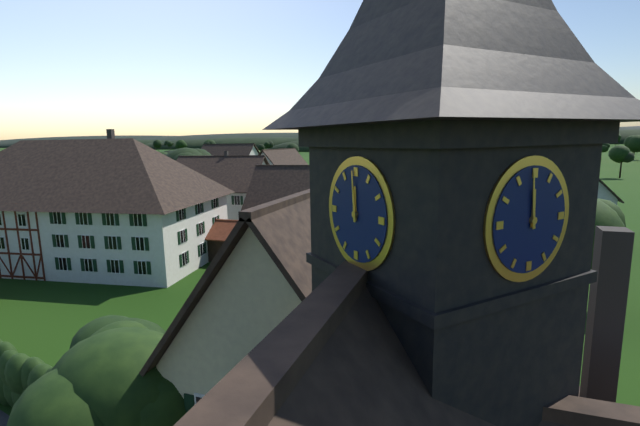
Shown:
**11:59**
